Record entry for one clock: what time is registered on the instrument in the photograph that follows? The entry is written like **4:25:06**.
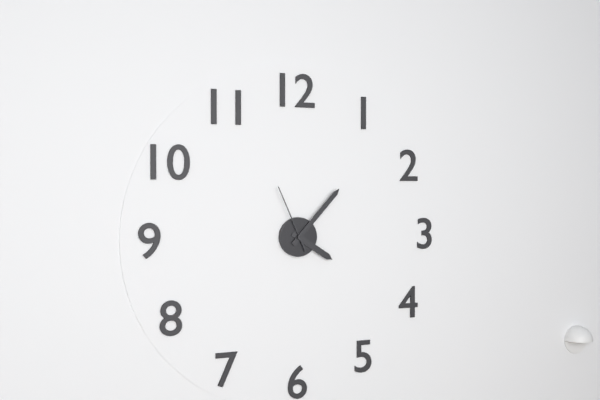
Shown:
**4:07:56**
